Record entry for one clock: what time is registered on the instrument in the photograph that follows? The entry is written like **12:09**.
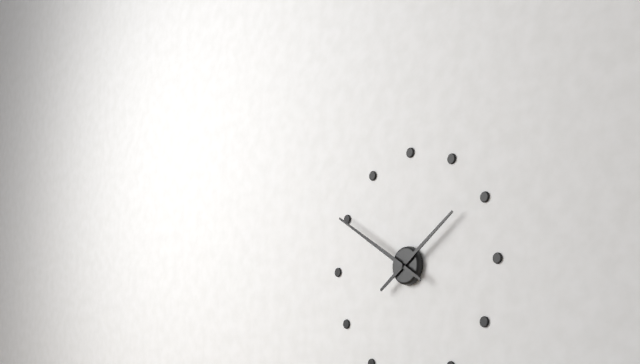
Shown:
**1:50**
